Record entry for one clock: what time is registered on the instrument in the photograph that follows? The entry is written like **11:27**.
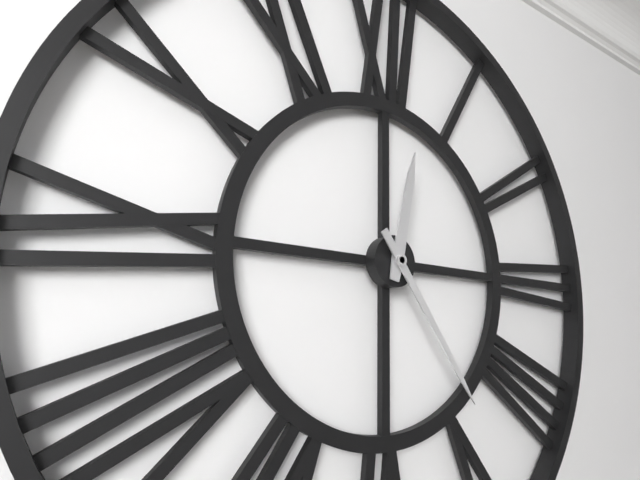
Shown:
**12:24**
